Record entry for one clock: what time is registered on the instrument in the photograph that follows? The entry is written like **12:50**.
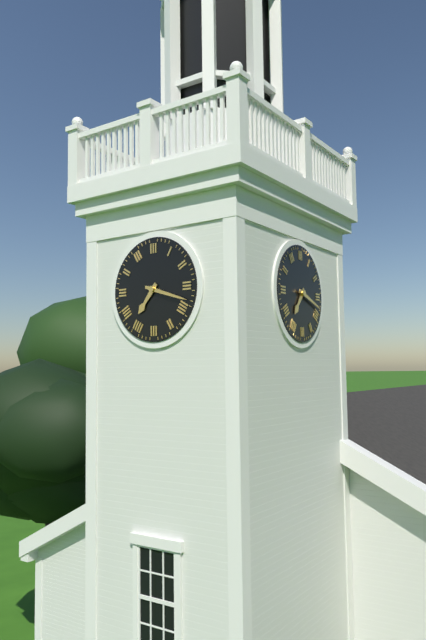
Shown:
**7:18**
